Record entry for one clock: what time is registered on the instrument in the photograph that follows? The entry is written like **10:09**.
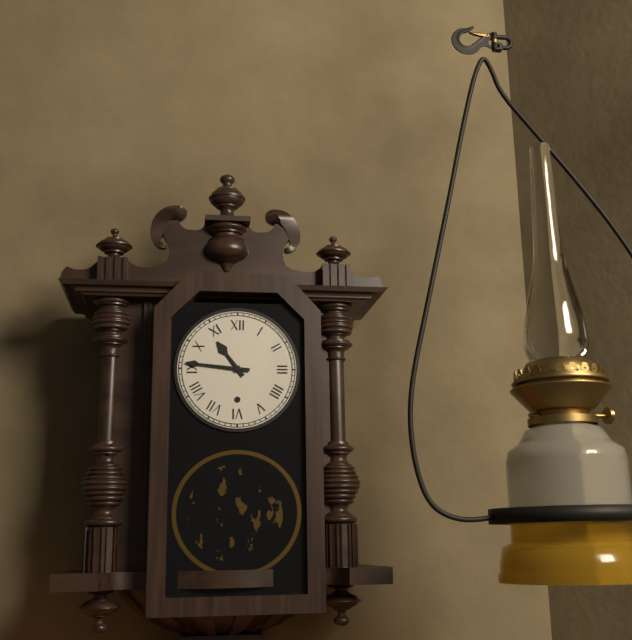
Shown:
**10:46**
